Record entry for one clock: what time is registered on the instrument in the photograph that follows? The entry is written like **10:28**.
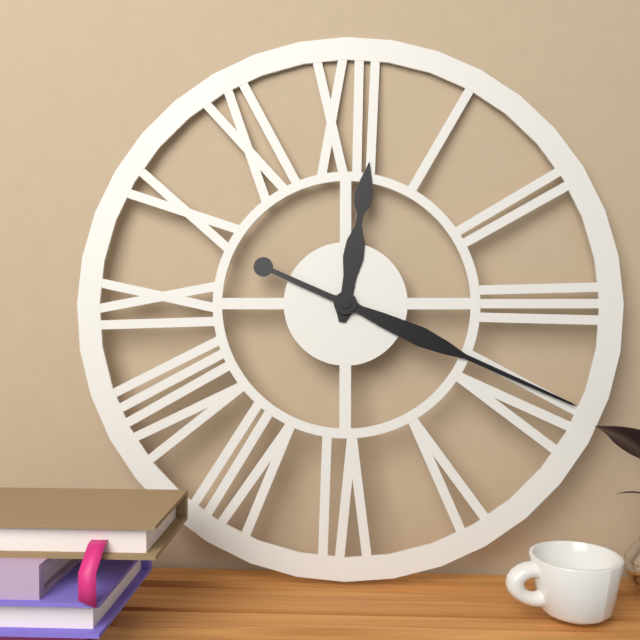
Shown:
**12:19**
